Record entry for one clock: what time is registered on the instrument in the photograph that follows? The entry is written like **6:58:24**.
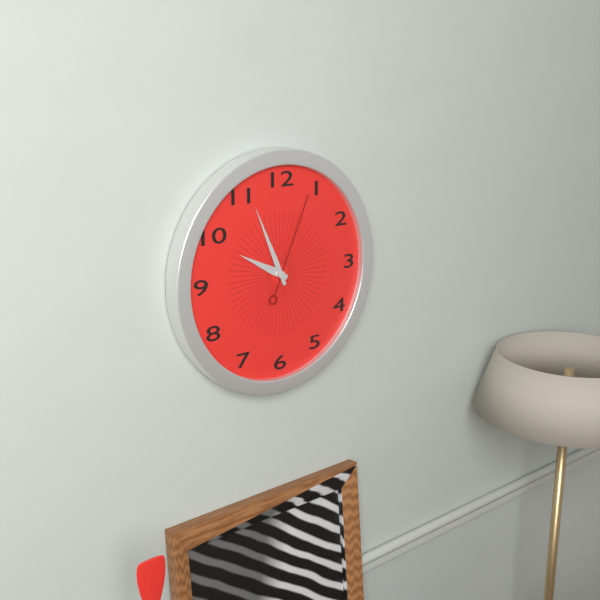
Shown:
**9:56:04**
